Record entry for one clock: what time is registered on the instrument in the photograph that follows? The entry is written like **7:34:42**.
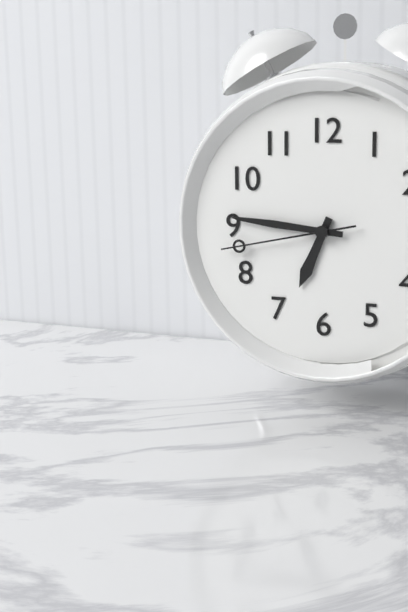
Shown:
**6:46:43**
